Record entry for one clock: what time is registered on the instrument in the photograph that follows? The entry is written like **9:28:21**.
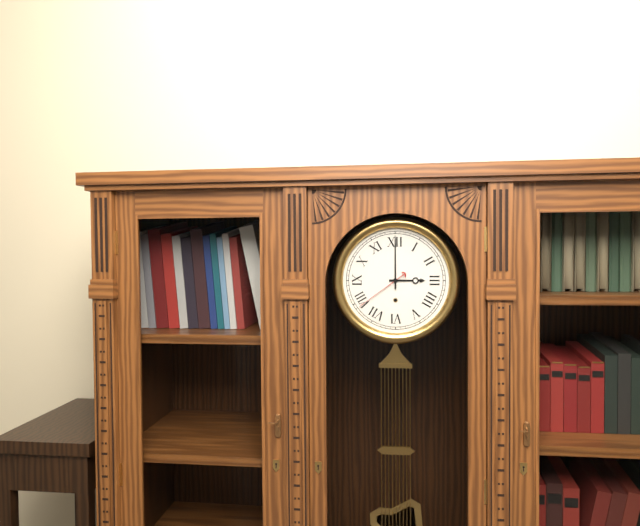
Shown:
**3:00:39**
